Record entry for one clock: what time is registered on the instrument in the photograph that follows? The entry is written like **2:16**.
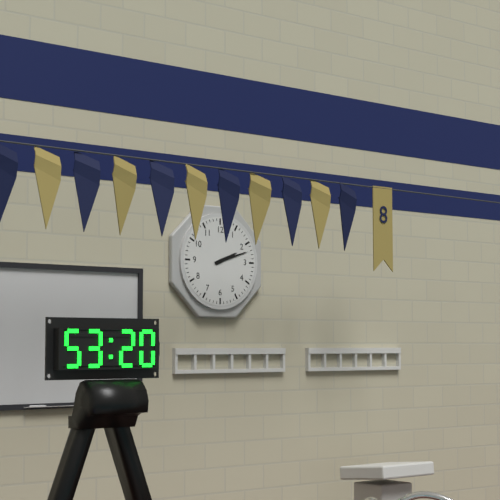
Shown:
**2:12**
